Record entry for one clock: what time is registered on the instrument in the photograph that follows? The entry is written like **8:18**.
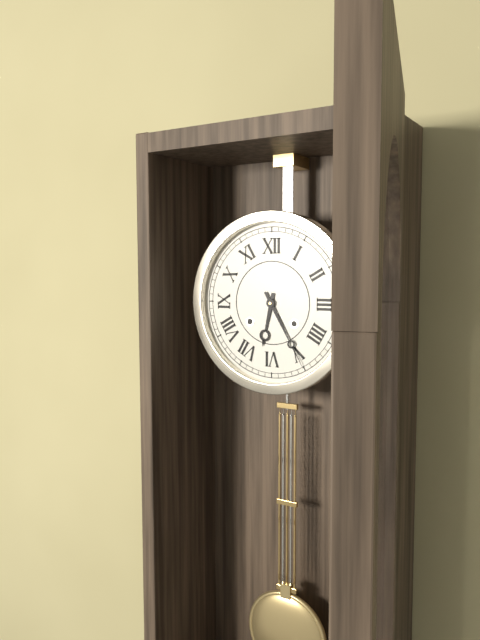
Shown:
**6:25**
